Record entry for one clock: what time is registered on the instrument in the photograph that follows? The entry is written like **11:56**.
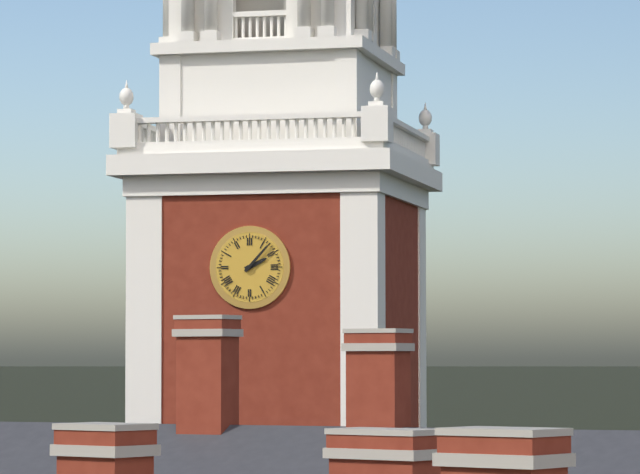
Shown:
**2:07**
